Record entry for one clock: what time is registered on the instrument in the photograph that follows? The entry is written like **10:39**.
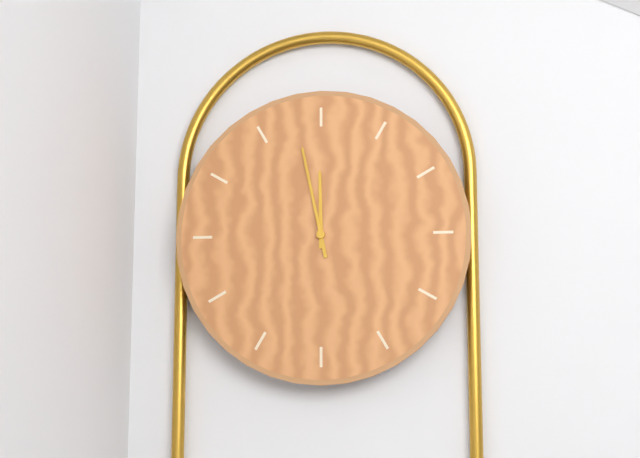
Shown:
**11:58**
